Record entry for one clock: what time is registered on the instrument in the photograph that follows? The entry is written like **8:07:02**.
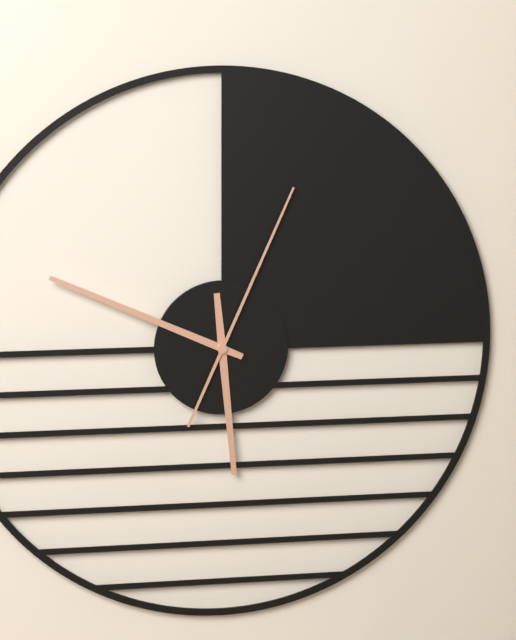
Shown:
**5:49:04**
